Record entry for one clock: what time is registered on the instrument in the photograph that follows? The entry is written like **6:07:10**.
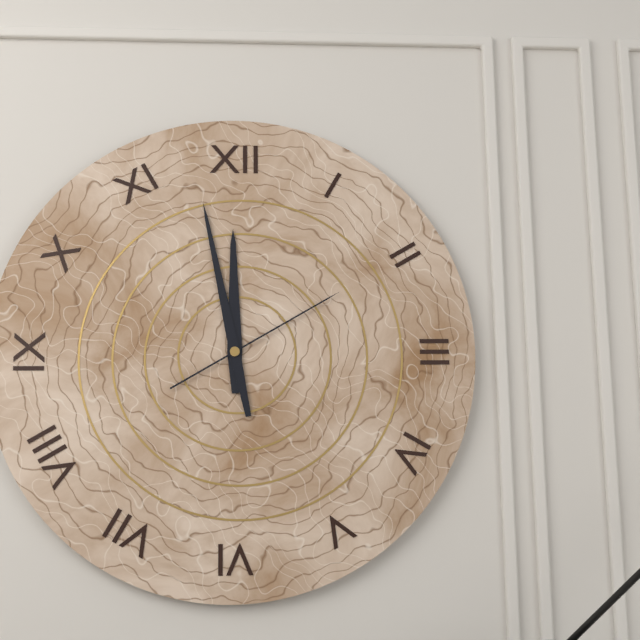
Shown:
**11:58:10**
